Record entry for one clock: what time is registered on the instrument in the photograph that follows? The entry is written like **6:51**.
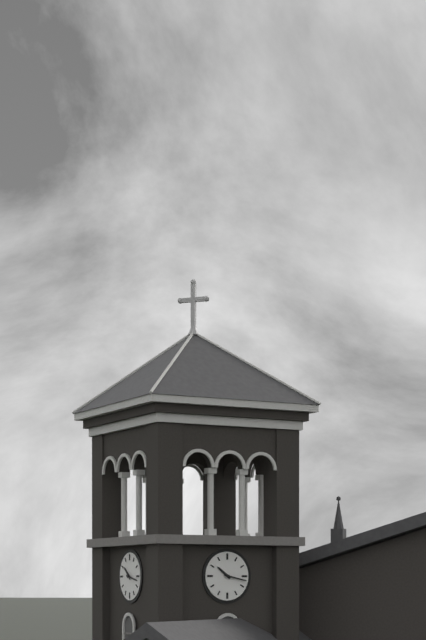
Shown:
**10:17**
